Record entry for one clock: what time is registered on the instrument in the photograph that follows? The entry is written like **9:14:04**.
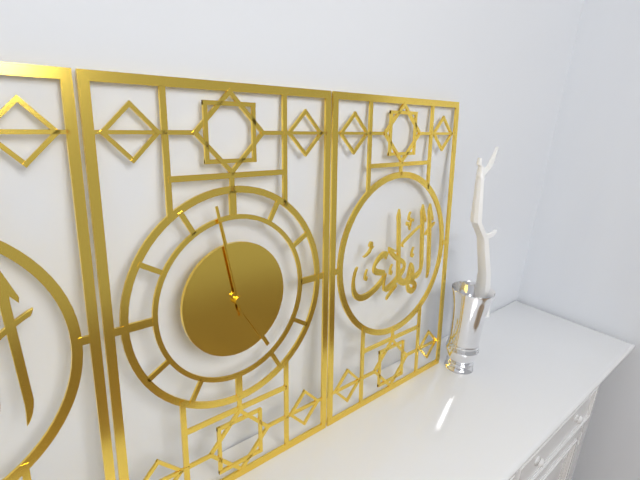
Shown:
**4:58:58**
